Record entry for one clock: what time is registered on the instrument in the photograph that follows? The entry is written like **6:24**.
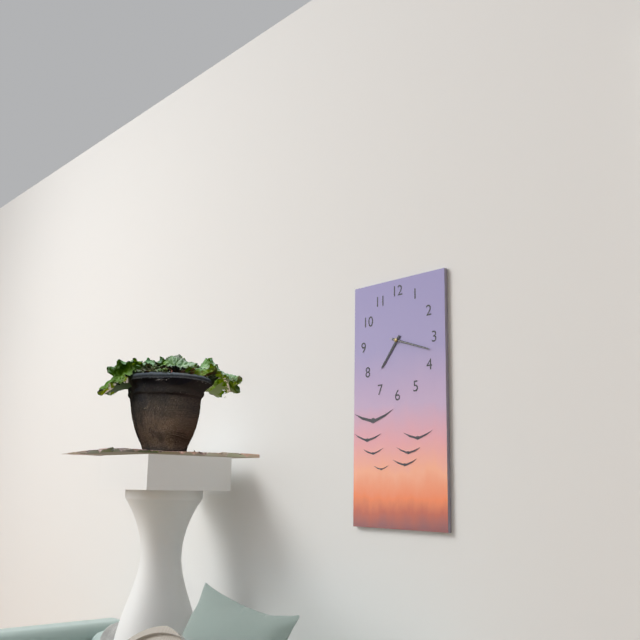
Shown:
**7:18**
